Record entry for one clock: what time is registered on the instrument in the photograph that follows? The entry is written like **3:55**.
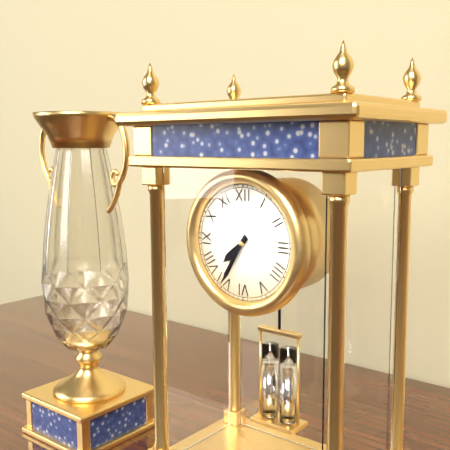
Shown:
**7:35**
